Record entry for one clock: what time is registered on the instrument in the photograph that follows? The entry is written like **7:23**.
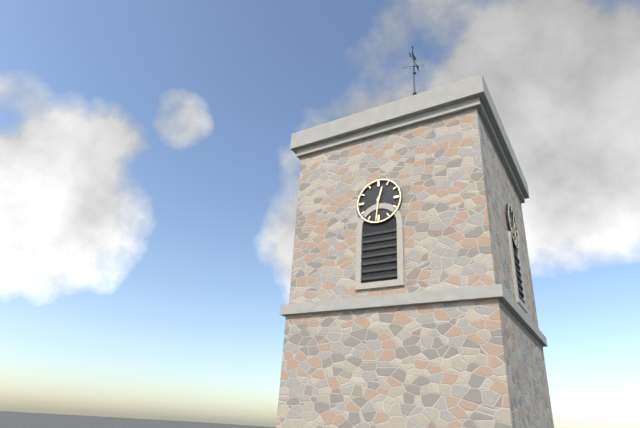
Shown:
**12:31**
